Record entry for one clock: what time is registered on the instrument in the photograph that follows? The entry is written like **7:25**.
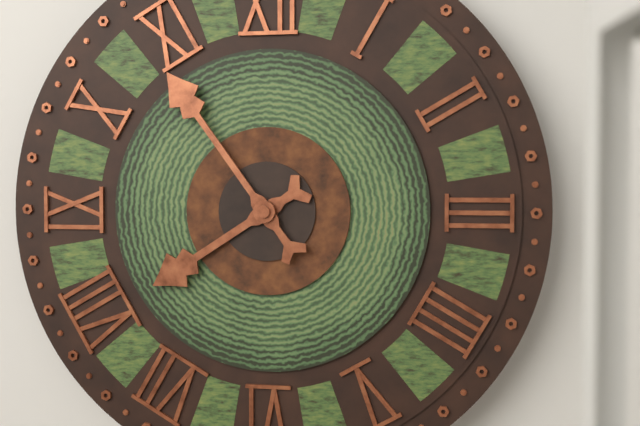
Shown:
**7:54**
